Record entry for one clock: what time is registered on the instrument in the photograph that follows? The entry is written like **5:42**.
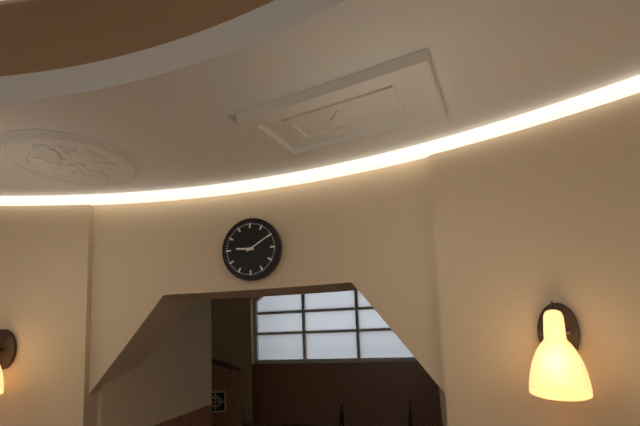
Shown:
**9:10**
